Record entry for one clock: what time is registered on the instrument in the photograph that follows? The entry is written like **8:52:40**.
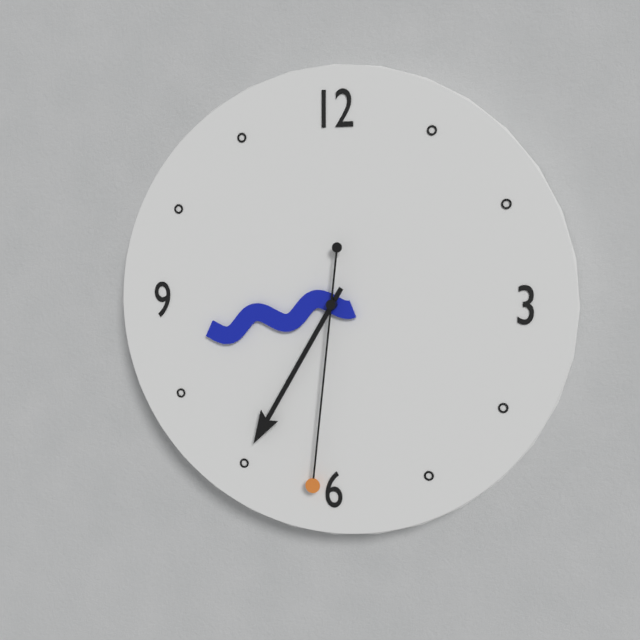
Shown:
**8:35:31**
